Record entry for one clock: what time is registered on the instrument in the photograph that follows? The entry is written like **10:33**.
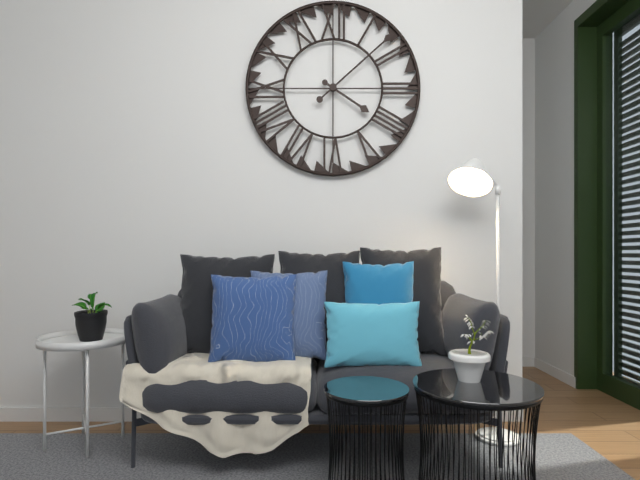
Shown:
**4:08**
